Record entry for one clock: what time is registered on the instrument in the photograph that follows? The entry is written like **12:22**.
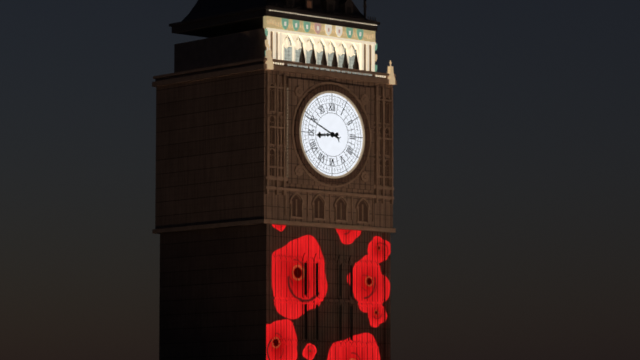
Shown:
**8:49**
